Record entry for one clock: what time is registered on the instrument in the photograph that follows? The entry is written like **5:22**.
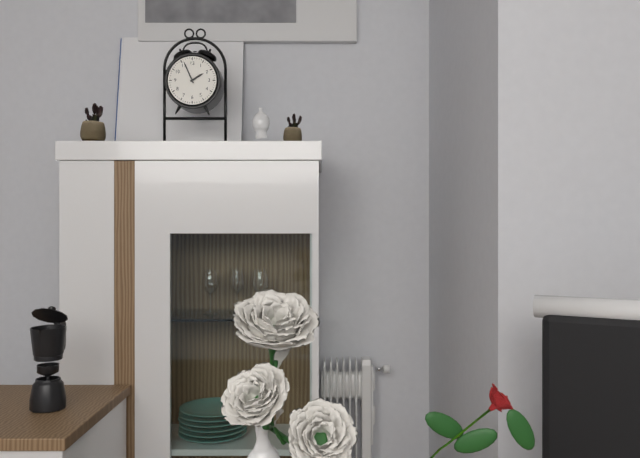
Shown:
**1:56**
